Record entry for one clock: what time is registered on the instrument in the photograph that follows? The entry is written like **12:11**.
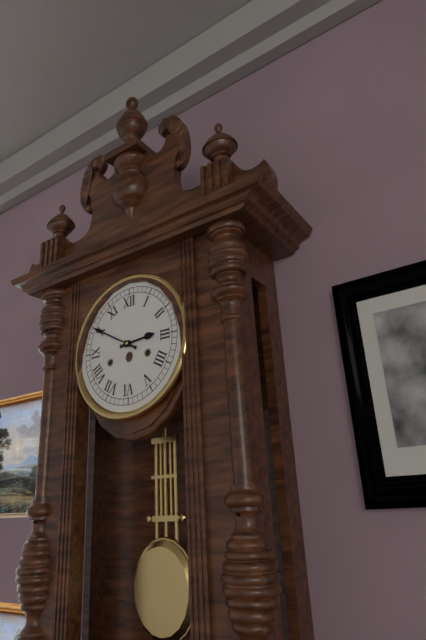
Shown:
**2:50**
